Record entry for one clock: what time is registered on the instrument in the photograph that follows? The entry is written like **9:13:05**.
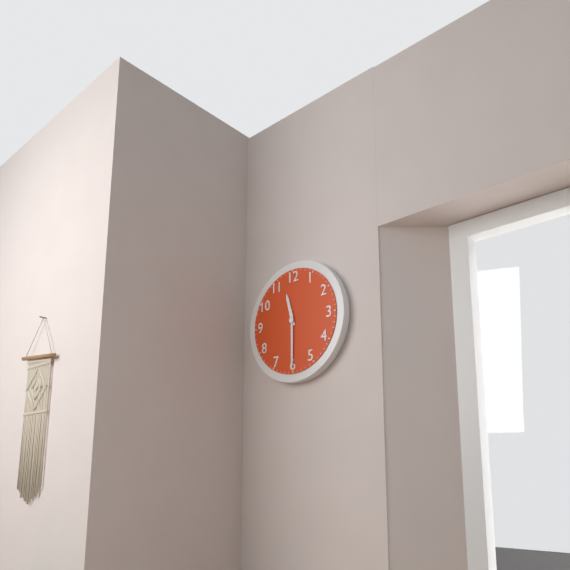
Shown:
**11:30:30**
